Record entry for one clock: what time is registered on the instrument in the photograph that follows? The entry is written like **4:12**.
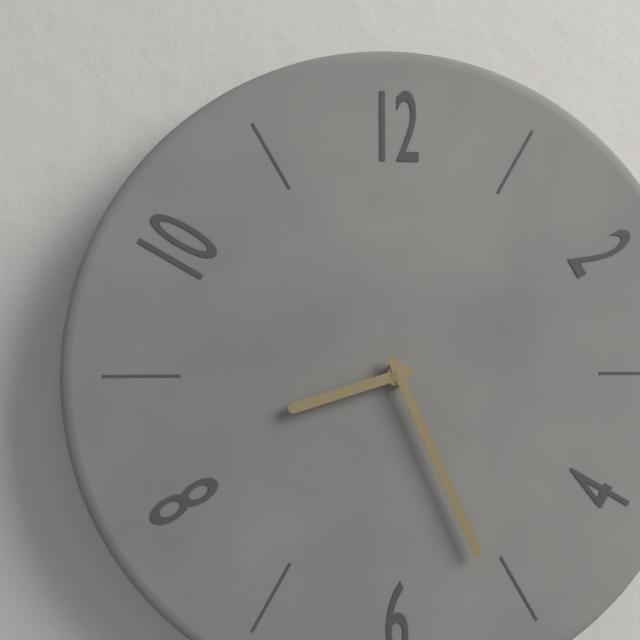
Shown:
**8:26**
